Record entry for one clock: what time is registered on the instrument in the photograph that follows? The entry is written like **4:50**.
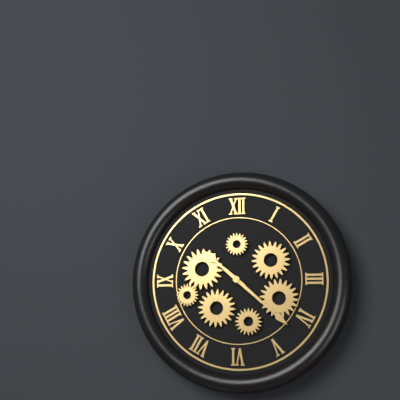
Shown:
**10:22**
